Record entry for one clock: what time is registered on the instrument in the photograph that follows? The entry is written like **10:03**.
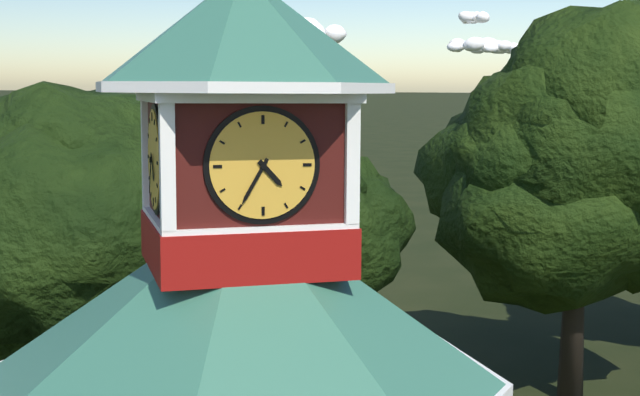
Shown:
**4:35**
